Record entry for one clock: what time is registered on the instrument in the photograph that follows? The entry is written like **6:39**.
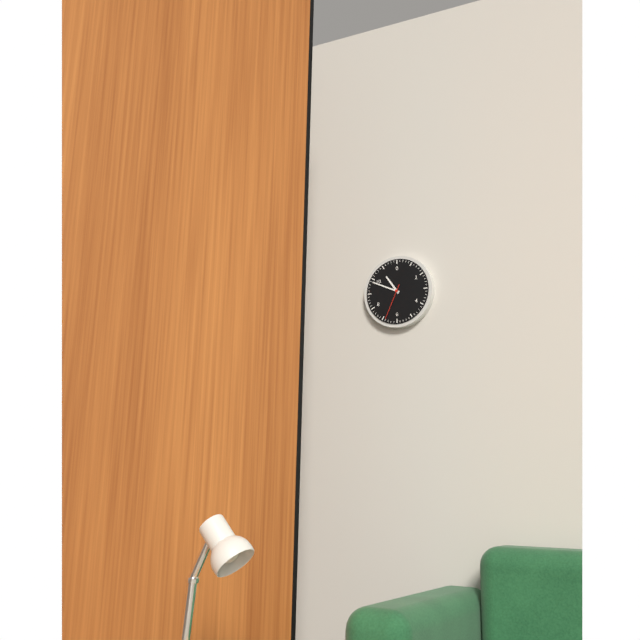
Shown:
**10:49**
